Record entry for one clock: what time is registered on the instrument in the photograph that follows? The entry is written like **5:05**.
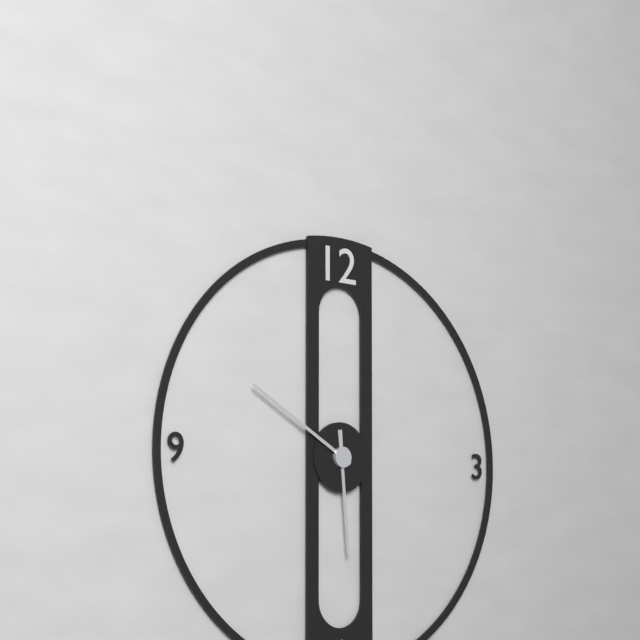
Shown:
**5:50**
